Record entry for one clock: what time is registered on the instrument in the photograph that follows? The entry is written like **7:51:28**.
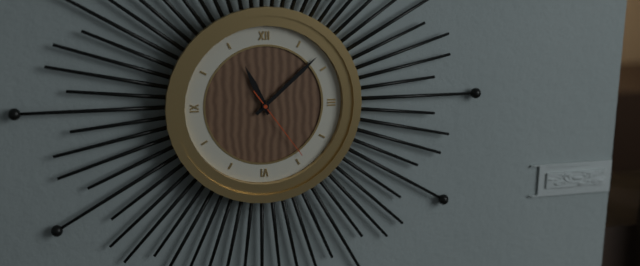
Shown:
**11:08:24**
